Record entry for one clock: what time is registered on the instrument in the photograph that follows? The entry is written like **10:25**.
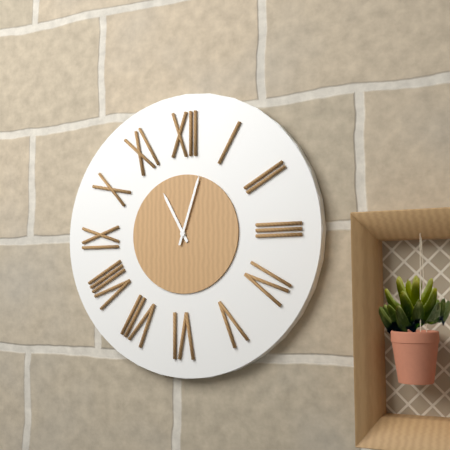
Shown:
**11:03**
